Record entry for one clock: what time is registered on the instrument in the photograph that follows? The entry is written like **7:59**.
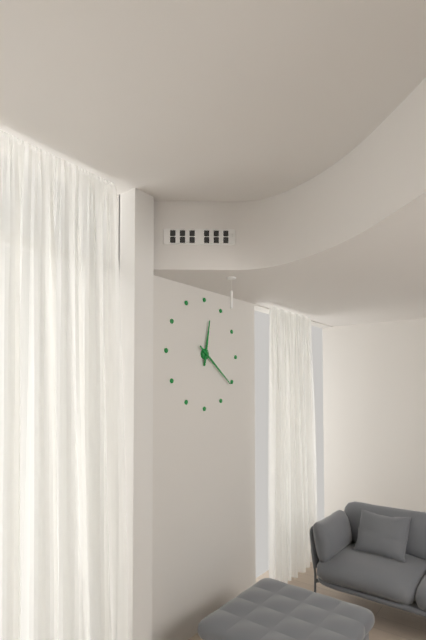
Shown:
**12:21**
